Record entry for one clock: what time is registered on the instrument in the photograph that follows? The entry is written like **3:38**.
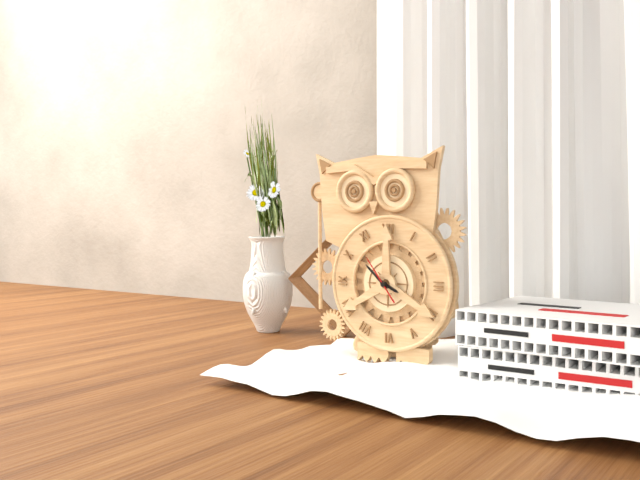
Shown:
**3:52**
